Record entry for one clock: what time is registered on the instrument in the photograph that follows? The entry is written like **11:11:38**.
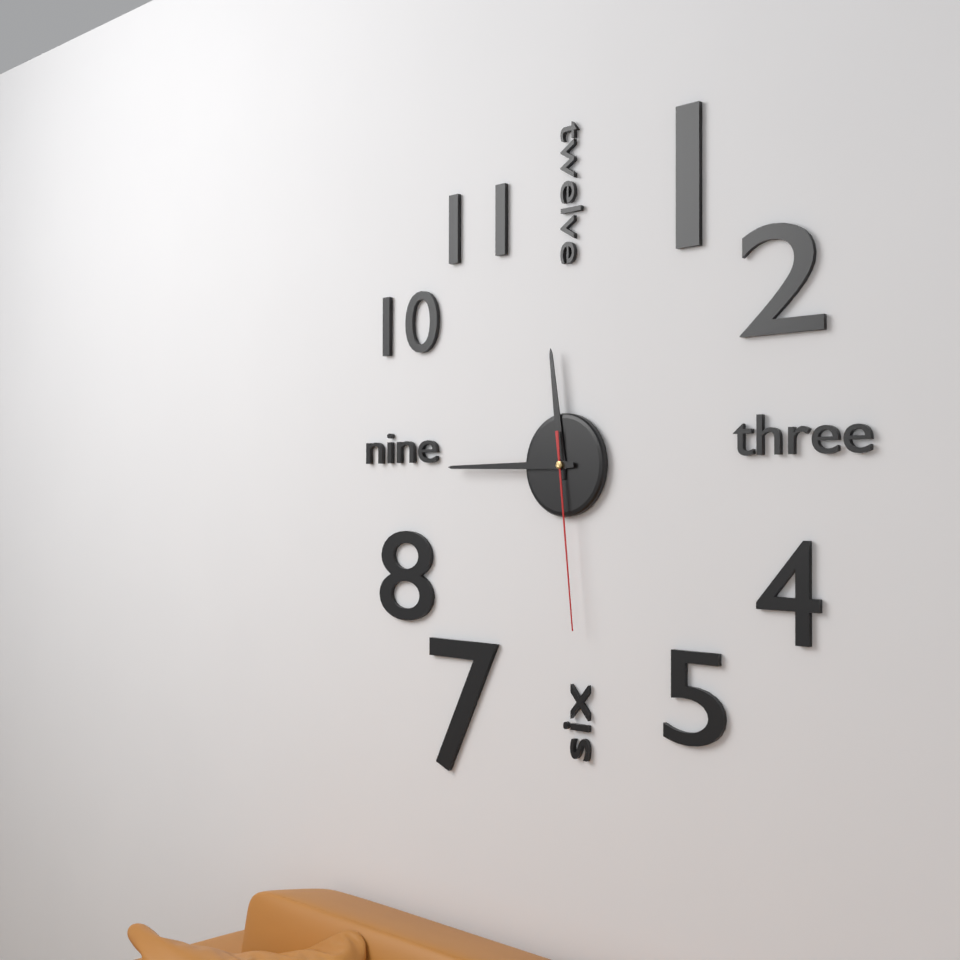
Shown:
**11:45:29**
